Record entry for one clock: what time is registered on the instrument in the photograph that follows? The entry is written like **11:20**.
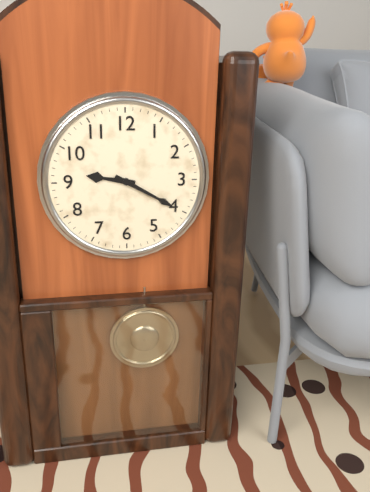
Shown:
**9:20**
